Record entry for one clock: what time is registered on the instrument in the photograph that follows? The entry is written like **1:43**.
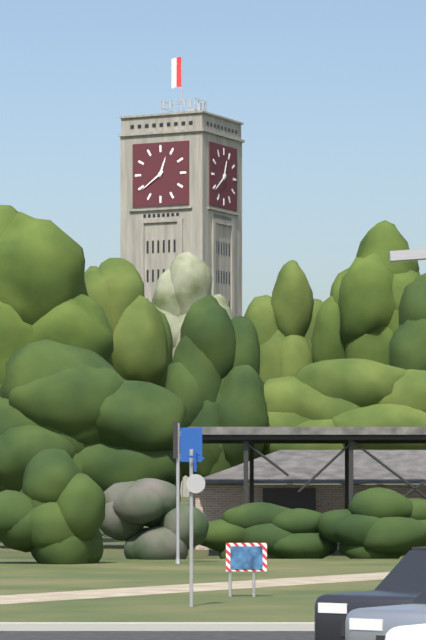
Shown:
**12:39**
